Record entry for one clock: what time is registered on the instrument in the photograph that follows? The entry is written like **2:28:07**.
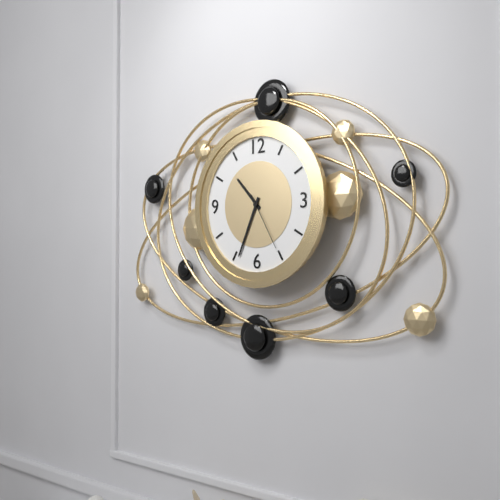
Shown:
**10:34:25**
